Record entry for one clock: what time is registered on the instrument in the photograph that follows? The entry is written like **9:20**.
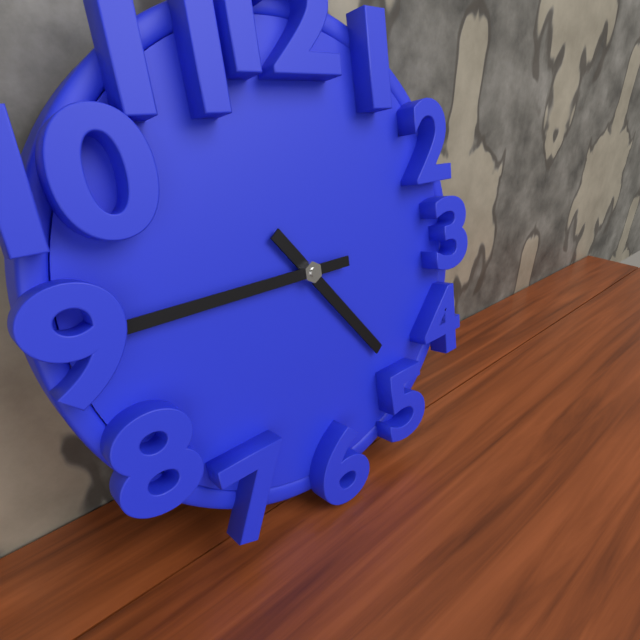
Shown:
**4:45**
